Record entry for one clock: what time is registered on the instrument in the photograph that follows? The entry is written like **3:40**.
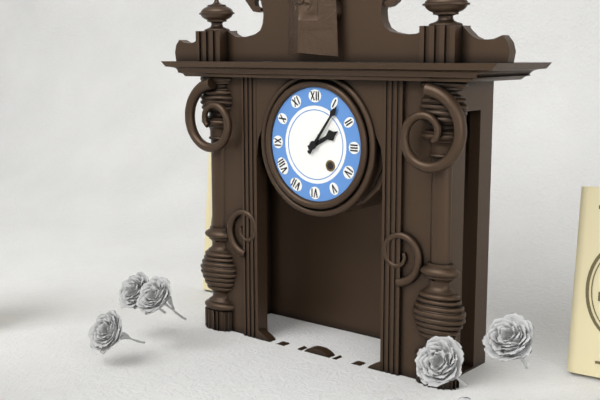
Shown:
**2:06**
